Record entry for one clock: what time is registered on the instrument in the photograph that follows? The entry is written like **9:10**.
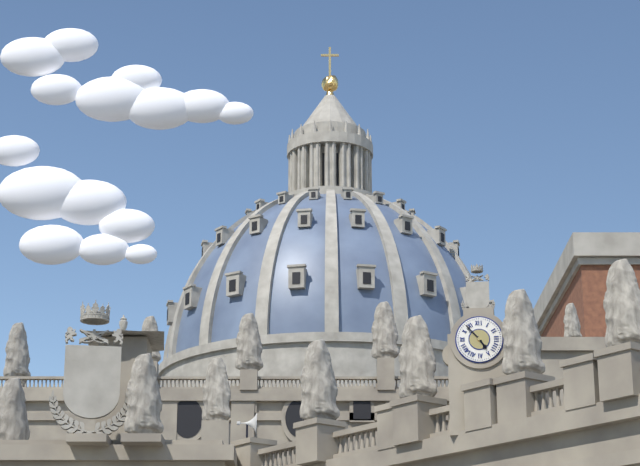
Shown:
**4:53**
